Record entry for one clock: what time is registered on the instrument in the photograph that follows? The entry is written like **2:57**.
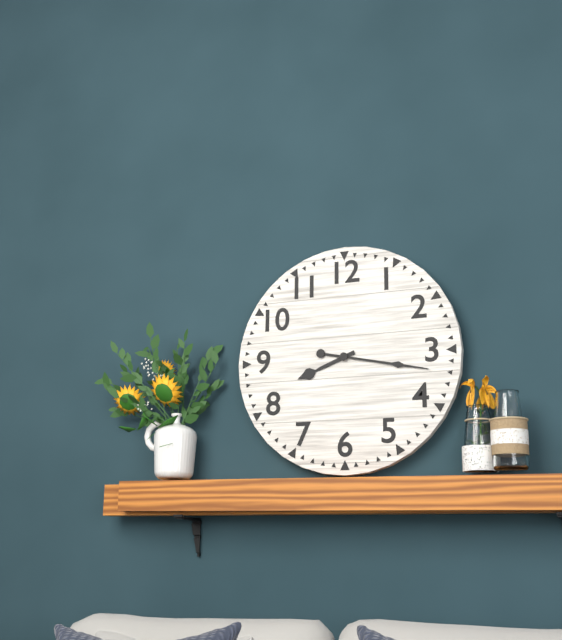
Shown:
**8:17**
